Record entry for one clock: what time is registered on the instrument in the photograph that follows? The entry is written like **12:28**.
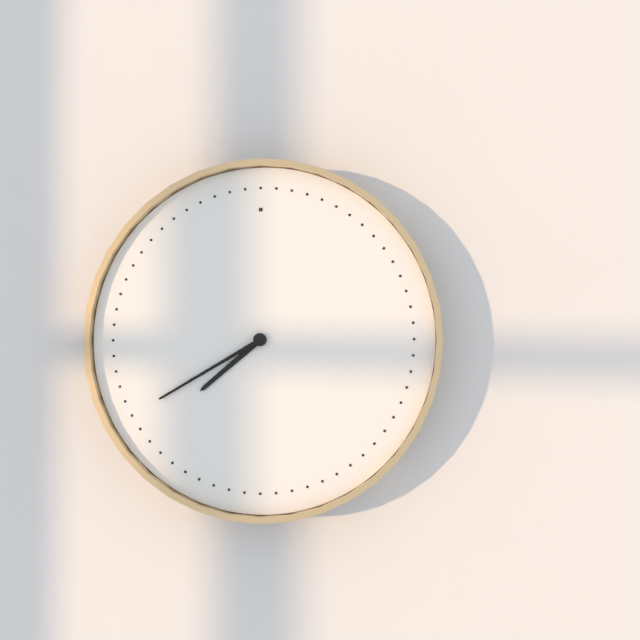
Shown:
**7:40**
